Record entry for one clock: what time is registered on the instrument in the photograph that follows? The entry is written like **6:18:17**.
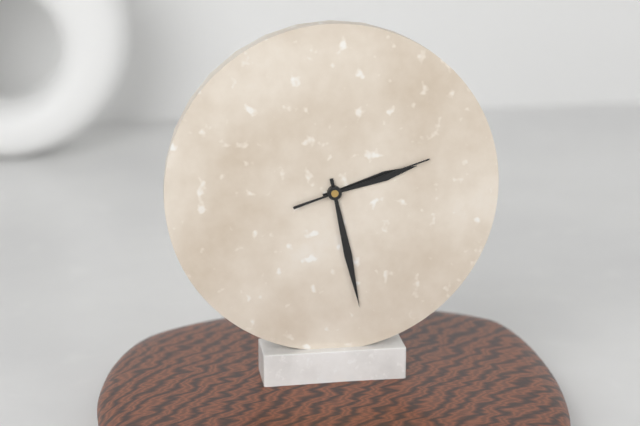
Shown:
**2:28:12**
